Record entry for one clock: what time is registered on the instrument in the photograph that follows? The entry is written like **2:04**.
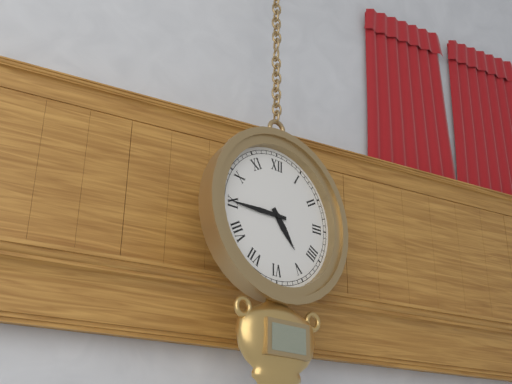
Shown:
**4:45**
